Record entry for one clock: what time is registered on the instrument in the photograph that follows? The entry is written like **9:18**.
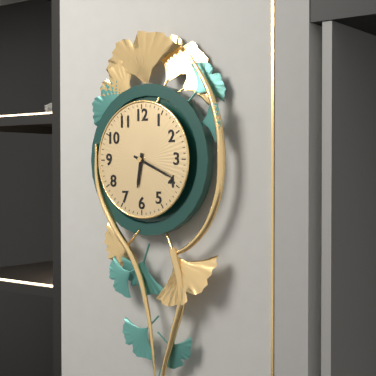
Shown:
**6:19**
